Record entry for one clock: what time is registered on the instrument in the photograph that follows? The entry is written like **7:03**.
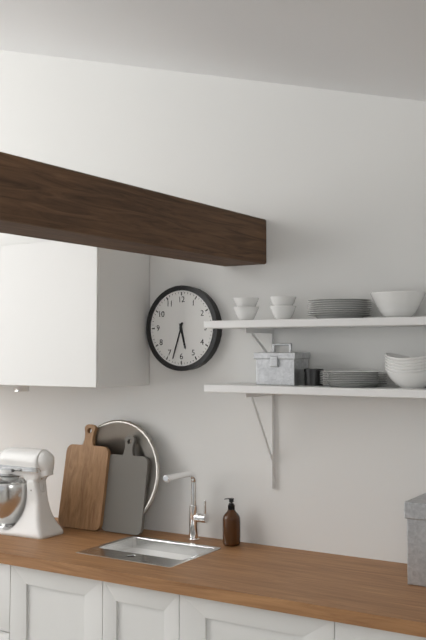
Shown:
**5:33**
